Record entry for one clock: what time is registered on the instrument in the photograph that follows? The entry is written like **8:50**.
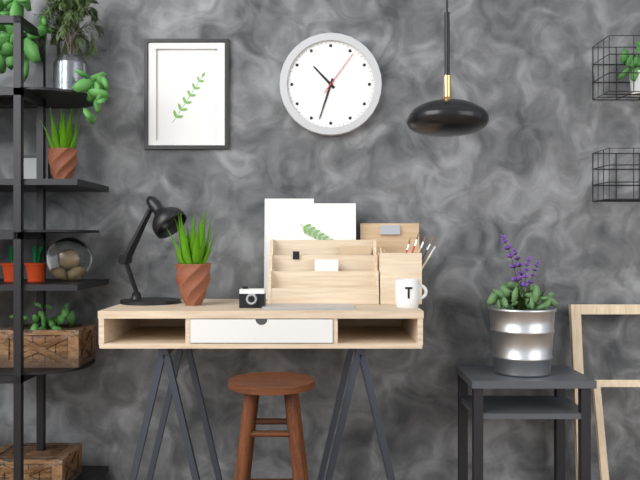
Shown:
**10:33**
